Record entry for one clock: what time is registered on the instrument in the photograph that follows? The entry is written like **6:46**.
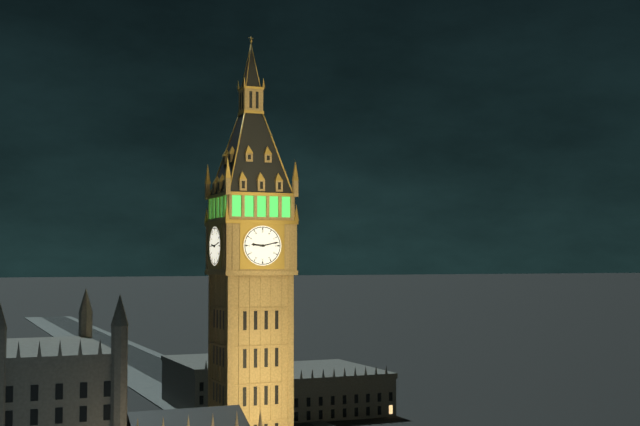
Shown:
**9:13**
